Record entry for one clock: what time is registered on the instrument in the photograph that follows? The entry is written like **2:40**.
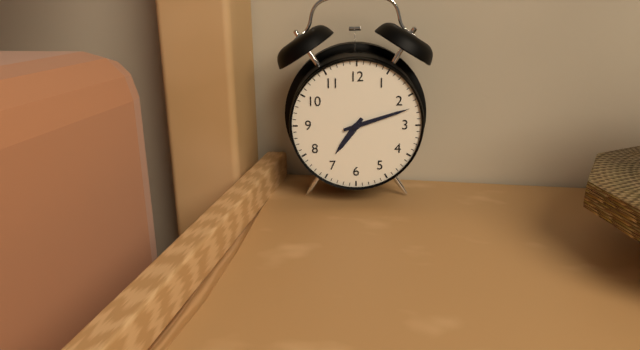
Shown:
**7:12**
